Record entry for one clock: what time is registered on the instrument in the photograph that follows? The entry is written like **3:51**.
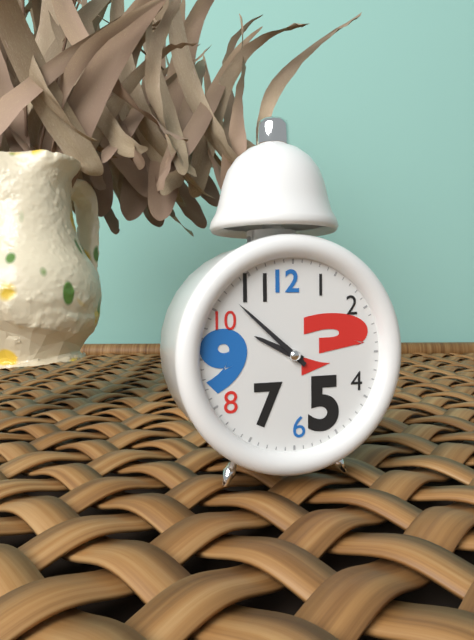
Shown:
**9:52**
